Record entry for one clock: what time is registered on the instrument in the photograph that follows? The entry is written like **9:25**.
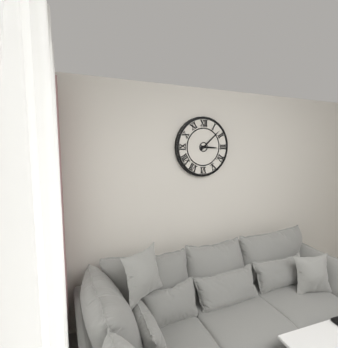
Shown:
**3:08**
